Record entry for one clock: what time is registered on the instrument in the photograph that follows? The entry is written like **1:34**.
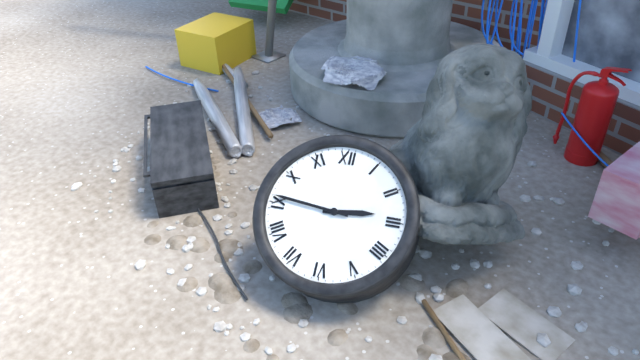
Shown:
**2:46**
